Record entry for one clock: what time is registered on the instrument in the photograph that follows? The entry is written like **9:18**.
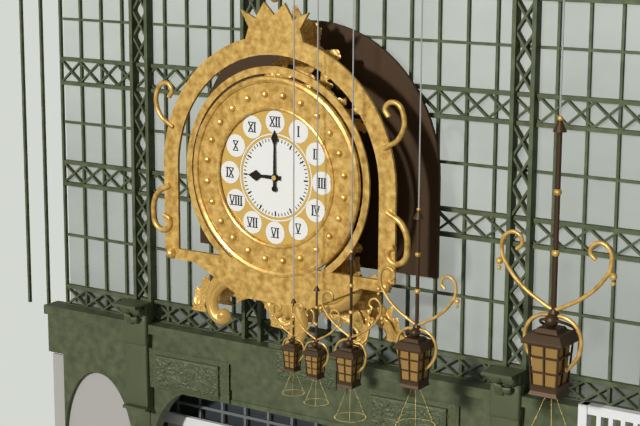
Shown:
**9:00**
